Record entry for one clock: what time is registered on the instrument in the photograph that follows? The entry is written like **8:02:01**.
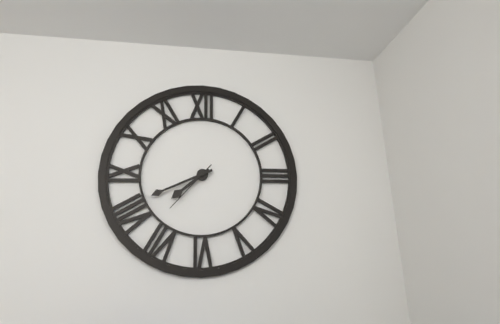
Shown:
**7:41:37**
